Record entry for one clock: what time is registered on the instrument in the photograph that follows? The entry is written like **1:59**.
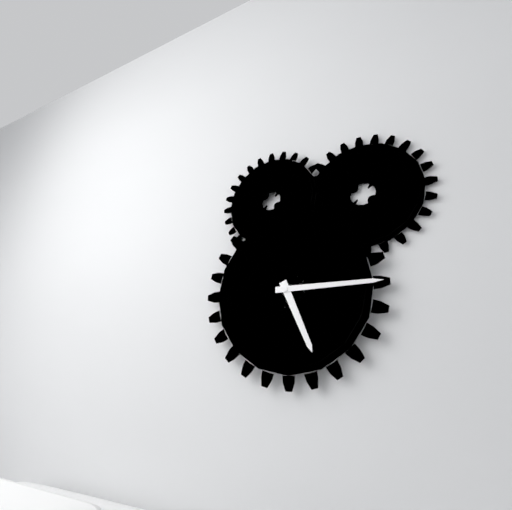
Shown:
**5:15**
